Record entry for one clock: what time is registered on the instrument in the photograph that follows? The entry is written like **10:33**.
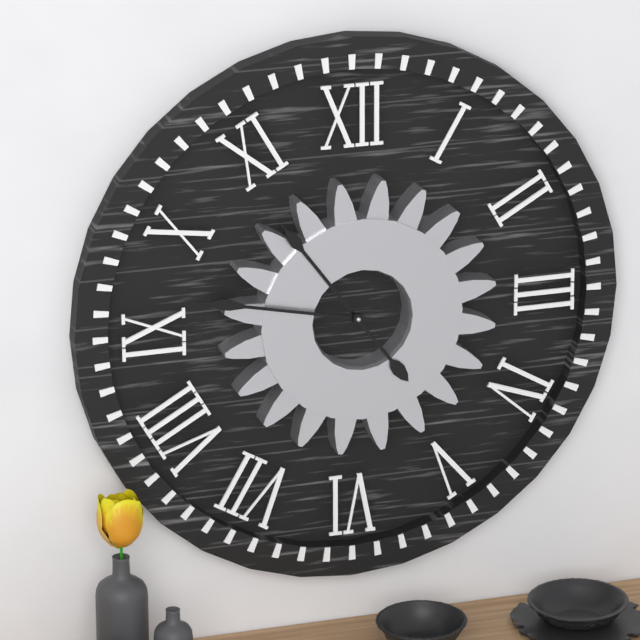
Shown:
**10:47**
